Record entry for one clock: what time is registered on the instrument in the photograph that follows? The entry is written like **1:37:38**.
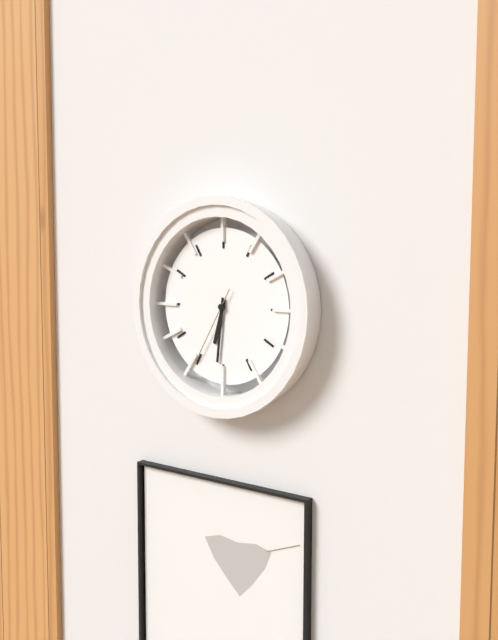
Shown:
**6:31:35**
